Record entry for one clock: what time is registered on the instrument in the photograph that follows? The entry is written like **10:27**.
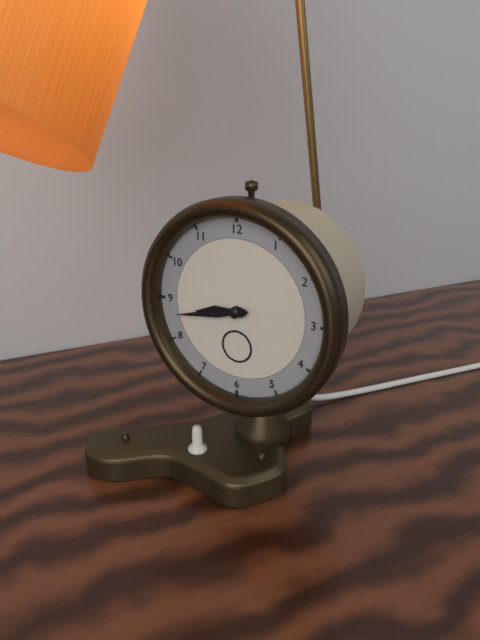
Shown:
**8:43**
